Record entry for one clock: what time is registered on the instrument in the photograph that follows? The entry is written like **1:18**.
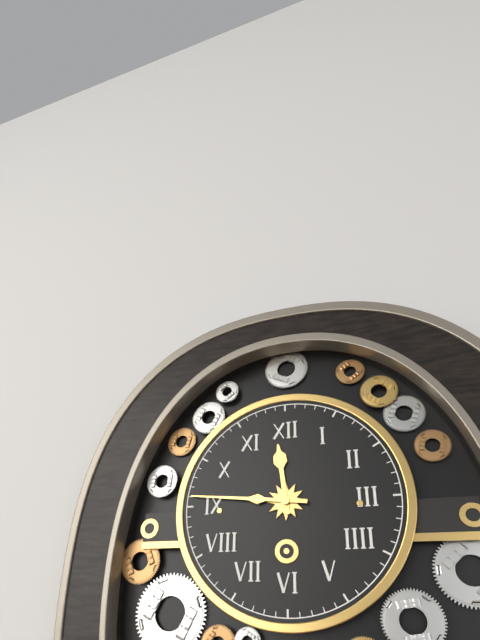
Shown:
**11:46**
